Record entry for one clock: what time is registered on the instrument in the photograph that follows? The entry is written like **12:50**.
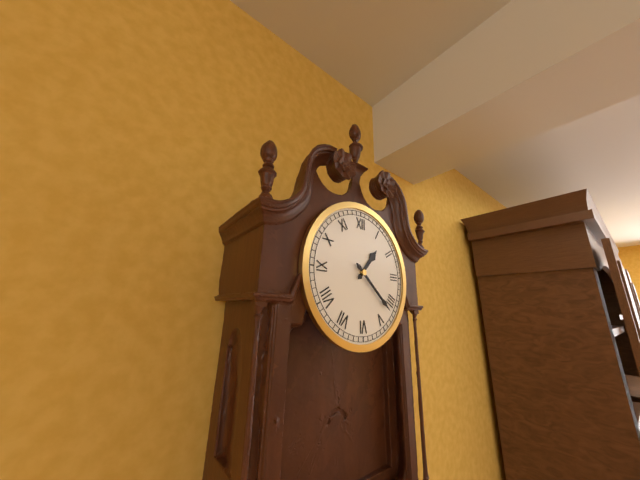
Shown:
**1:22**
